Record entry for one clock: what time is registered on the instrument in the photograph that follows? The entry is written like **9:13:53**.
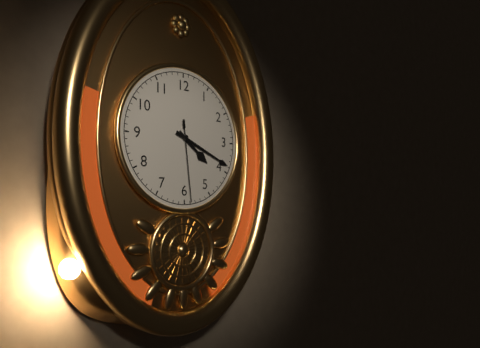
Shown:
**4:19:29**
